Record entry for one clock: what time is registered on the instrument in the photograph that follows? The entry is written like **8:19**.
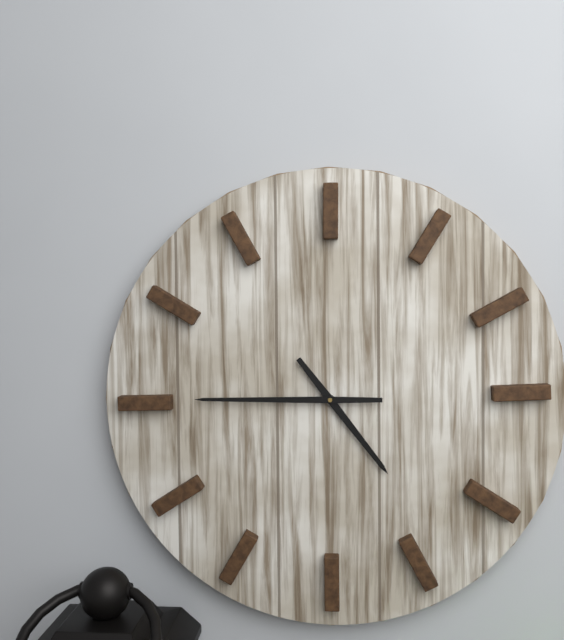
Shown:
**4:45**
